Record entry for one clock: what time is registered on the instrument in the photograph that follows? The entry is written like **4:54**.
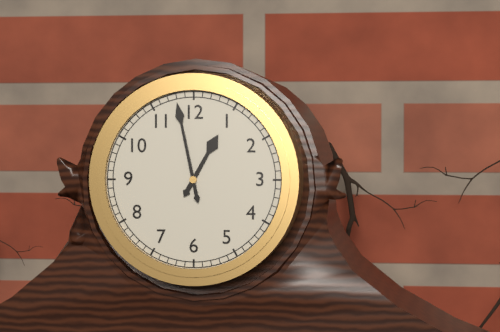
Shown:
**12:58**
